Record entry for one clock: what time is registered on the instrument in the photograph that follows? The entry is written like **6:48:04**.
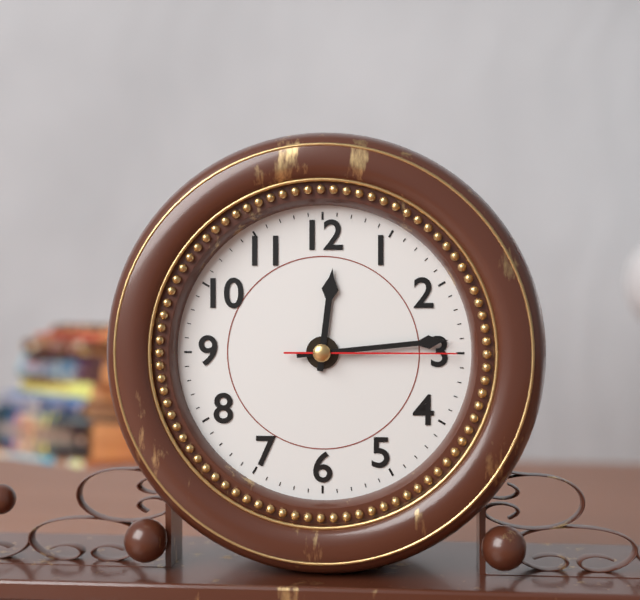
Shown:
**12:14:15**
